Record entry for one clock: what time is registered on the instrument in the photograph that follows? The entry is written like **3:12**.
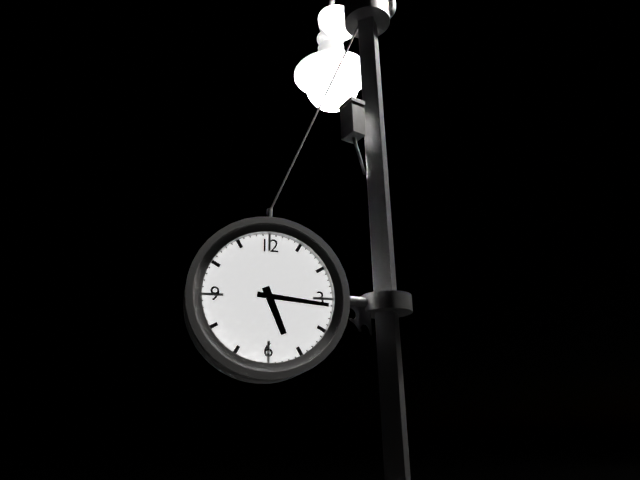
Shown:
**5:16**
